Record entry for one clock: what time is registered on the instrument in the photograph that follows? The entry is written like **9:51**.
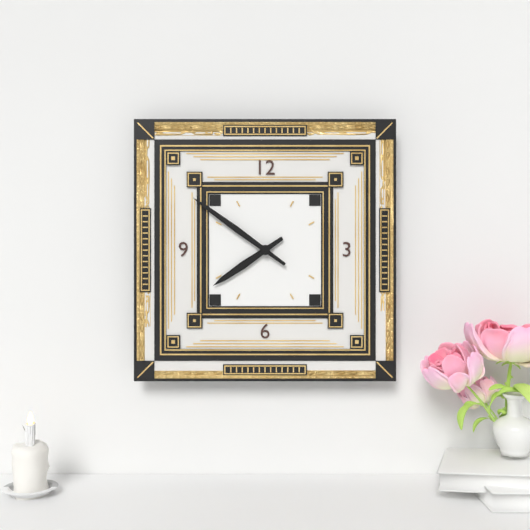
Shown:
**7:51**
